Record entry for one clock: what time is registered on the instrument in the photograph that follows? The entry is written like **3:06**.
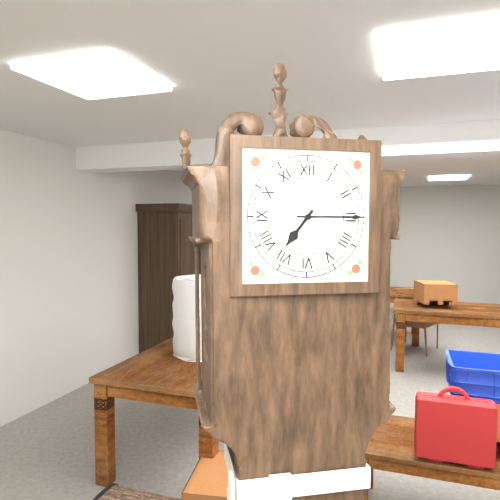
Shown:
**7:15**
